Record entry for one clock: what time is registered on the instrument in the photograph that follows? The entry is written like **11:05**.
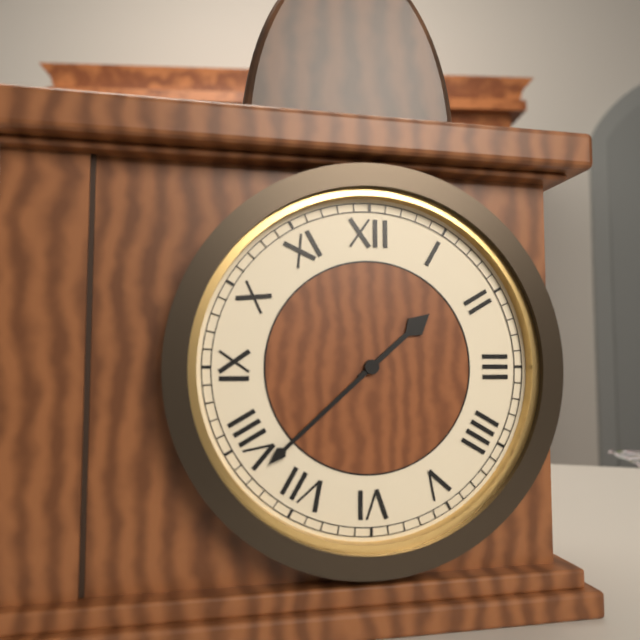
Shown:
**1:38**
